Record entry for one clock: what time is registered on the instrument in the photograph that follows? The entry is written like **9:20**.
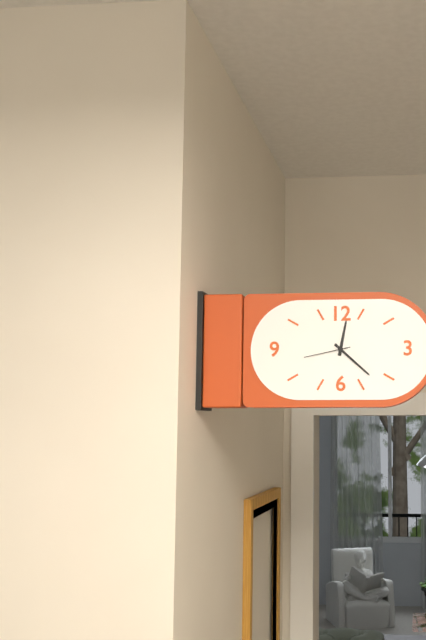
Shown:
**12:22**
